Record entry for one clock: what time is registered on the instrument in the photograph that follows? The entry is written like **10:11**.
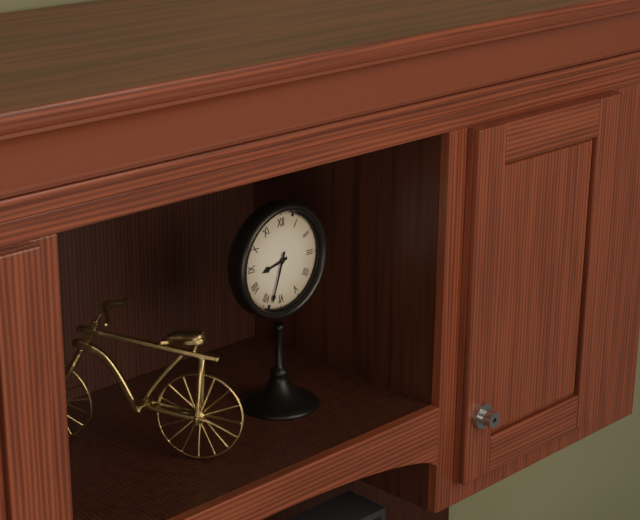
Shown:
**8:33**
